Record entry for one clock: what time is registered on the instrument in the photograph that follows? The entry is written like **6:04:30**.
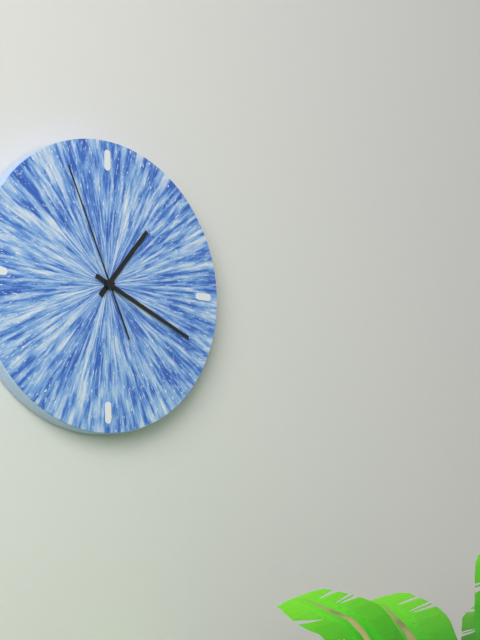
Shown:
**1:19:56**
